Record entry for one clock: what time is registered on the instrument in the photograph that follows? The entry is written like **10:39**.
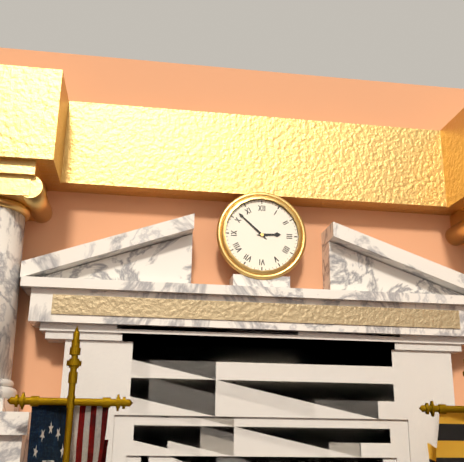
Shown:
**2:52**
